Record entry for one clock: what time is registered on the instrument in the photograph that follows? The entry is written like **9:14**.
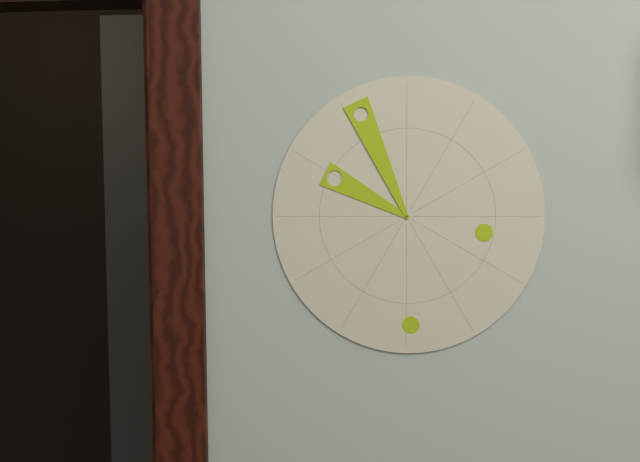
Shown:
**9:56**
